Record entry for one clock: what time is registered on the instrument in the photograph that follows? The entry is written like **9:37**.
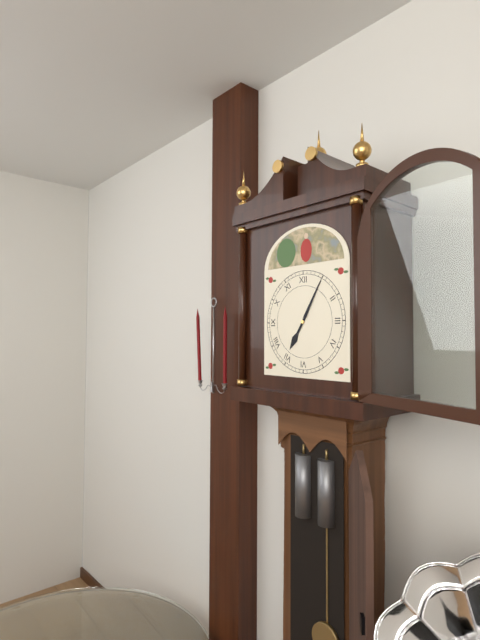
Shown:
**7:05**
